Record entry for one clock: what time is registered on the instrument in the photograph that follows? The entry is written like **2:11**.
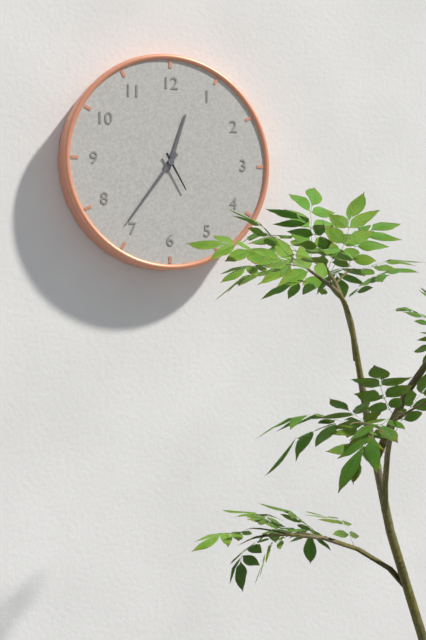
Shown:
**12:36**
